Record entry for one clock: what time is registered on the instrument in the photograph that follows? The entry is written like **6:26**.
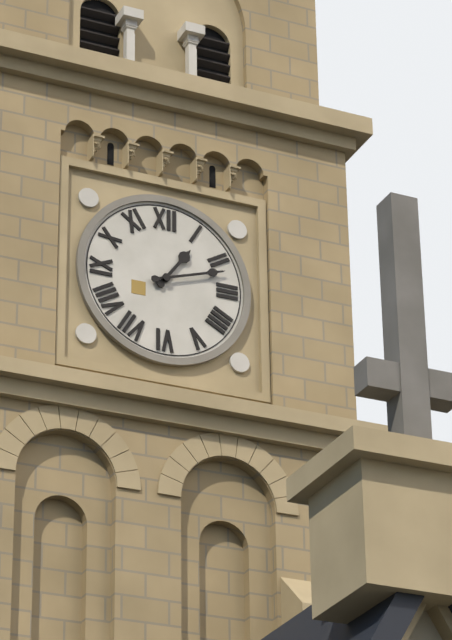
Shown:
**1:12**
